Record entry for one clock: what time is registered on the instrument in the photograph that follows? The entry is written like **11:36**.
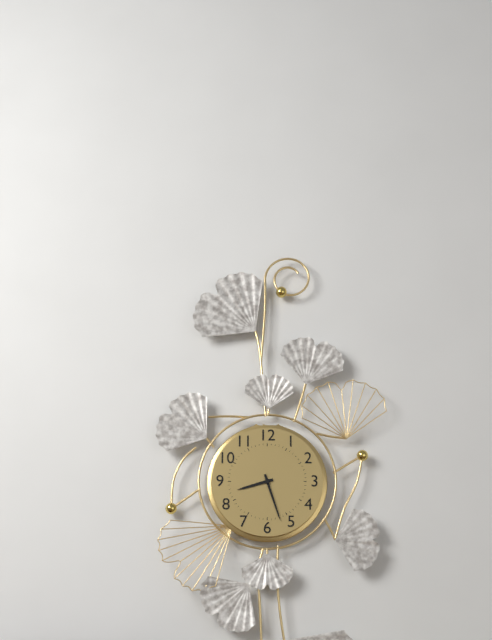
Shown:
**8:27**
